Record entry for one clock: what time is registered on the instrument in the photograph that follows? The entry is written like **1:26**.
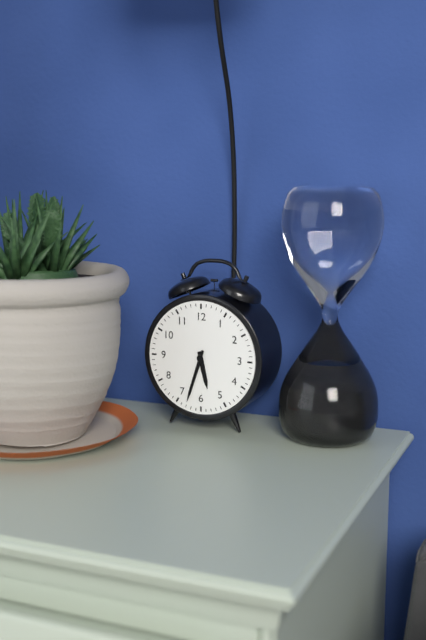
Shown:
**5:33**
